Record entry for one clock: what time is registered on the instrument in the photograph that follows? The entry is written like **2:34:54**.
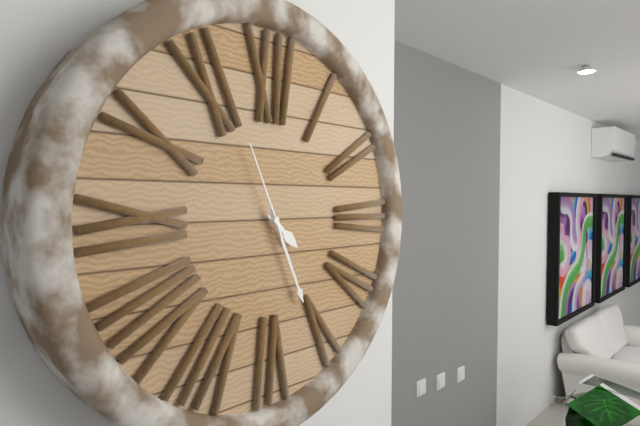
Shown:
**4:26:56**
